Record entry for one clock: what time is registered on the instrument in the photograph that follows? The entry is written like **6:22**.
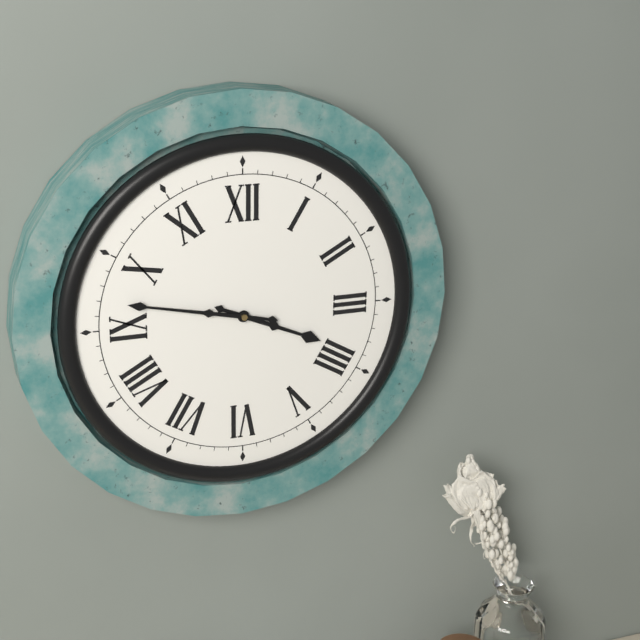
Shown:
**3:47**
